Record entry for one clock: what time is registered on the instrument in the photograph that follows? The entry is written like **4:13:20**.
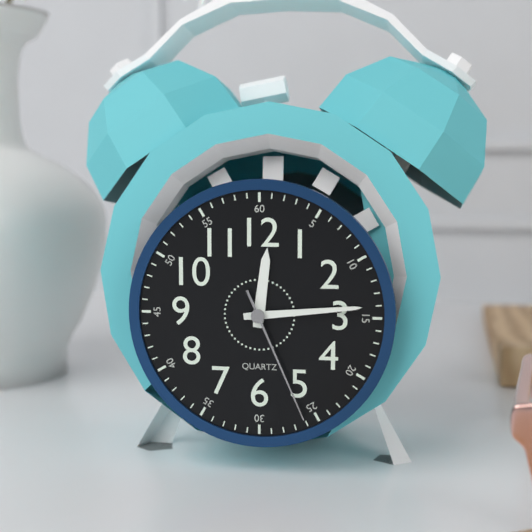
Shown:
**12:14:26**
